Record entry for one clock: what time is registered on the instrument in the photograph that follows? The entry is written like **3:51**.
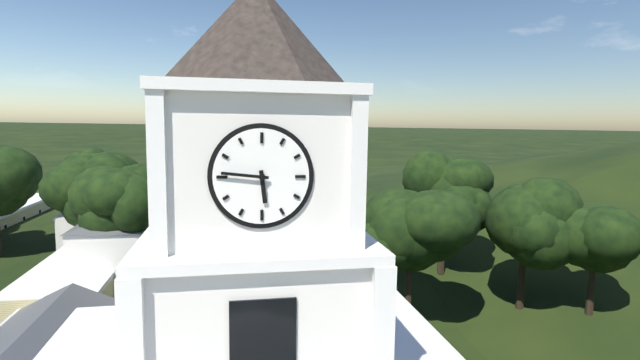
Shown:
**5:46**
